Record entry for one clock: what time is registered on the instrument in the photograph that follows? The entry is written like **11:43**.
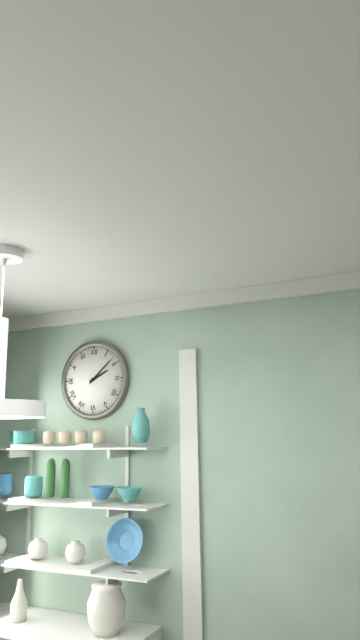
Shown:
**2:08**
